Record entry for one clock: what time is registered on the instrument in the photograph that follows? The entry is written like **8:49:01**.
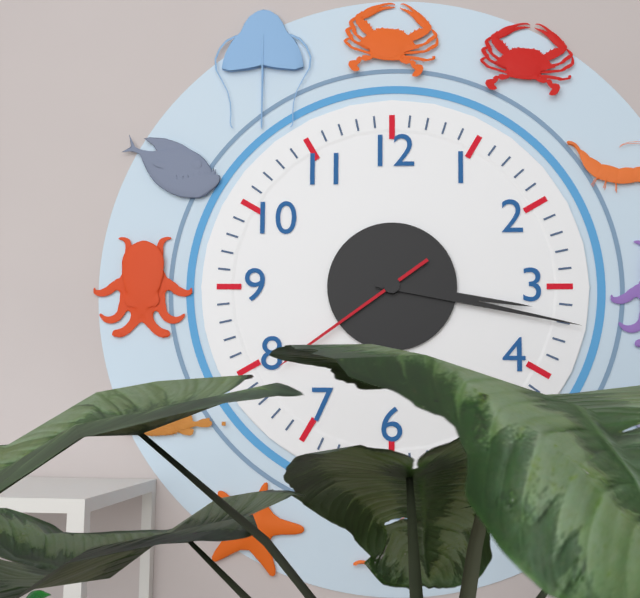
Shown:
**3:17:39**
